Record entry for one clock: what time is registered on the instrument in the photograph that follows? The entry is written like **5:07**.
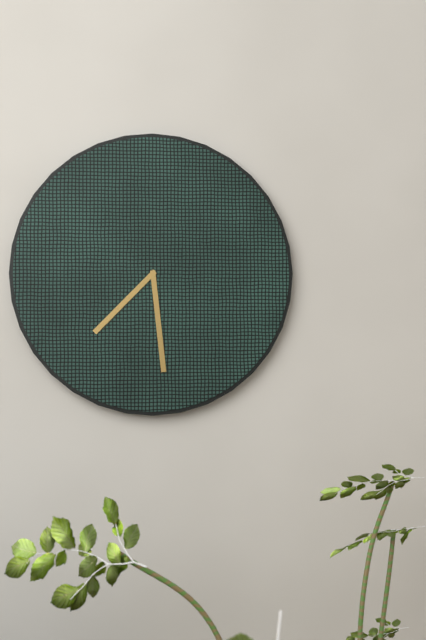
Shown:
**7:29**
